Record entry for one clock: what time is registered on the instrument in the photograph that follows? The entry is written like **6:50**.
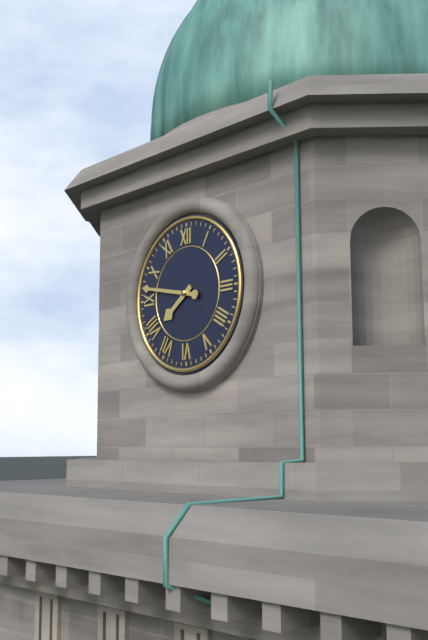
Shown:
**7:47**
